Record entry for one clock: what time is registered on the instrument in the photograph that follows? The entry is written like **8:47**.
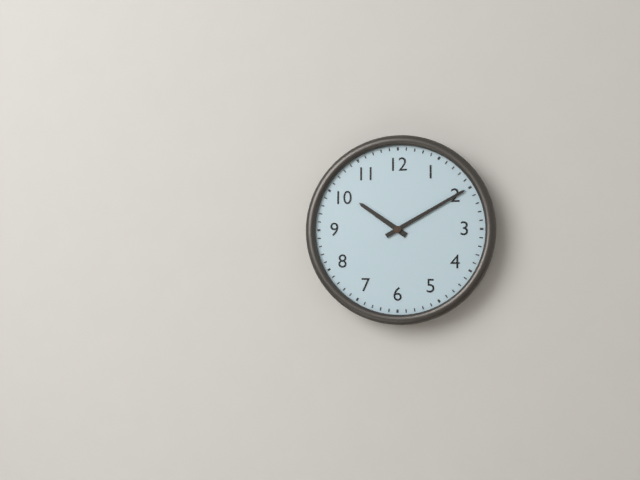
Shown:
**10:10**
